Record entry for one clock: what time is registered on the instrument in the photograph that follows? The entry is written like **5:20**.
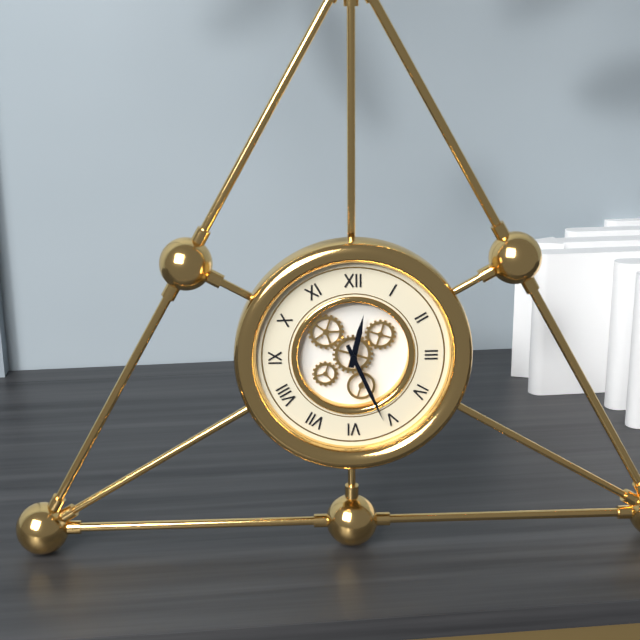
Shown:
**12:26**
